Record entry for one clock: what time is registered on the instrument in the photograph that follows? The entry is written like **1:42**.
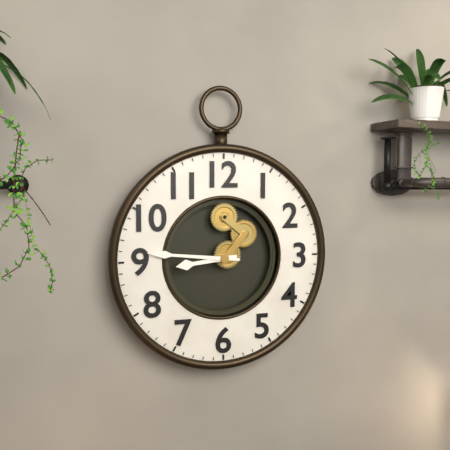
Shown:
**8:46**
